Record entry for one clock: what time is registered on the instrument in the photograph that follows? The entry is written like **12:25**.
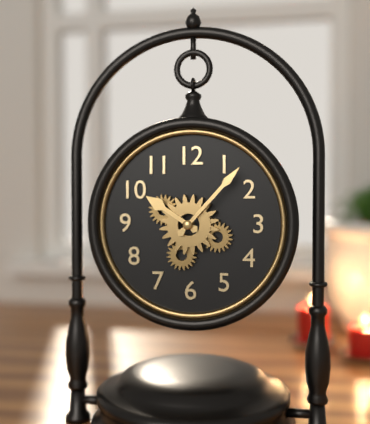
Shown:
**10:07**
